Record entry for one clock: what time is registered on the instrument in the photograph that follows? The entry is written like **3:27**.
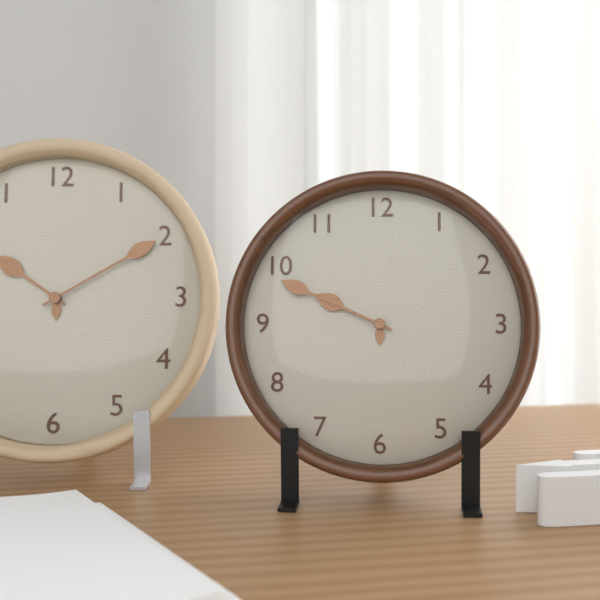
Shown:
**9:49**
